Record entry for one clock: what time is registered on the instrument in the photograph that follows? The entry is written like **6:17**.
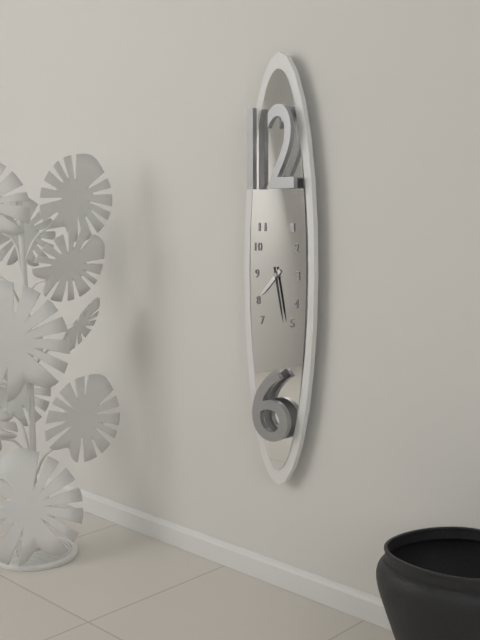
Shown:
**7:28**
